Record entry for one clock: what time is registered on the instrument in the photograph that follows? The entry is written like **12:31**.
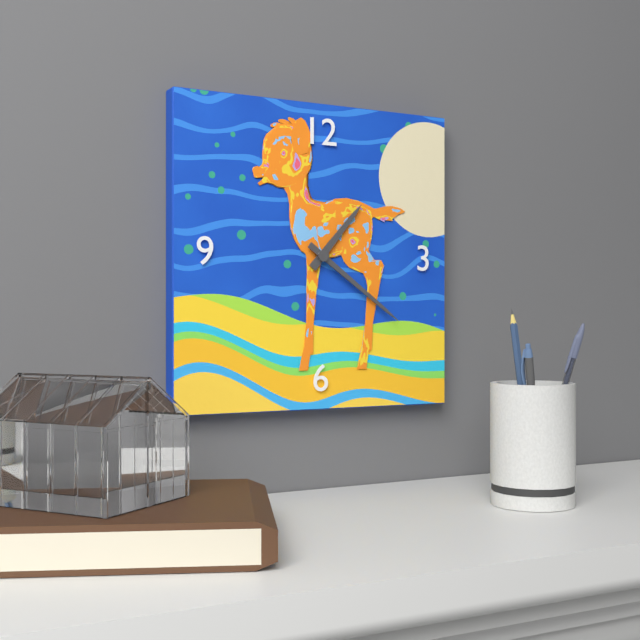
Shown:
**1:21**
